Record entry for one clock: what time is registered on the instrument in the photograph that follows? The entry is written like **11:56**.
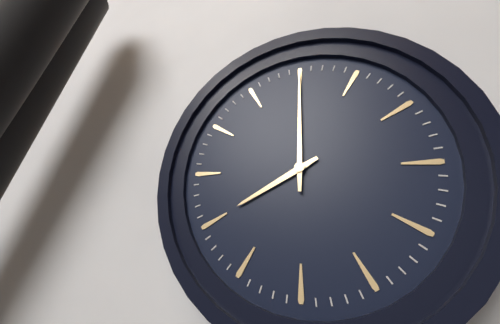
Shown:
**8:00**
